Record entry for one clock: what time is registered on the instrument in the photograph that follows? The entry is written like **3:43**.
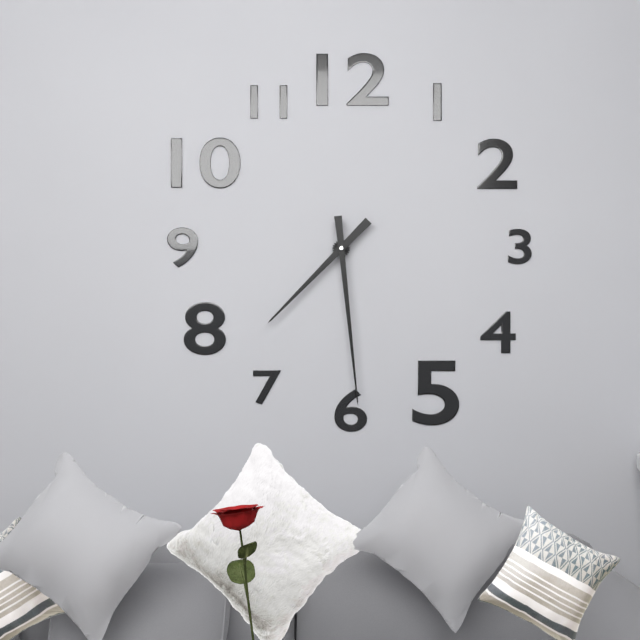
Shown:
**7:29**
